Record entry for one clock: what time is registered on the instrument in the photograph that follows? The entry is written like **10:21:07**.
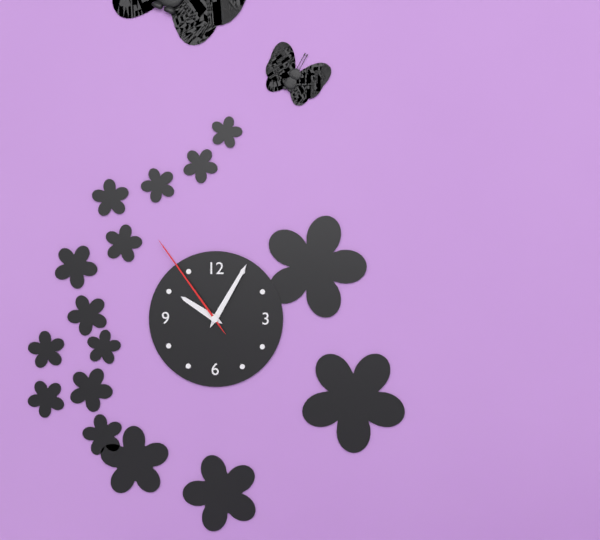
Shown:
**10:05:54**
